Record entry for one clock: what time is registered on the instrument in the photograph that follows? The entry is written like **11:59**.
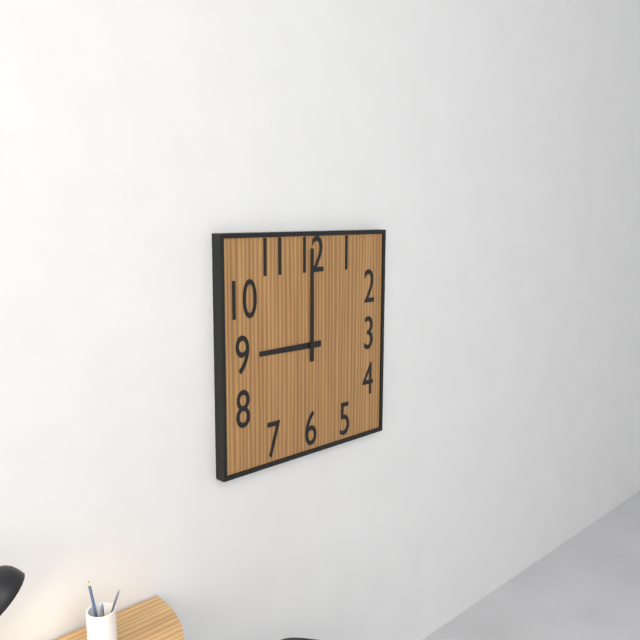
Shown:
**9:00**
